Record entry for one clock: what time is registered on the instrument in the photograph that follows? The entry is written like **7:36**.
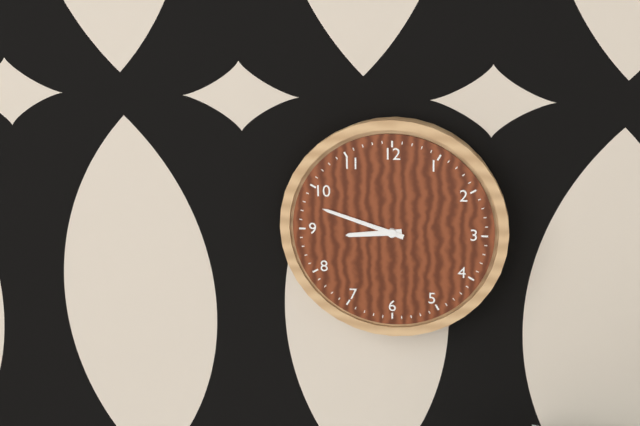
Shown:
**8:48**
